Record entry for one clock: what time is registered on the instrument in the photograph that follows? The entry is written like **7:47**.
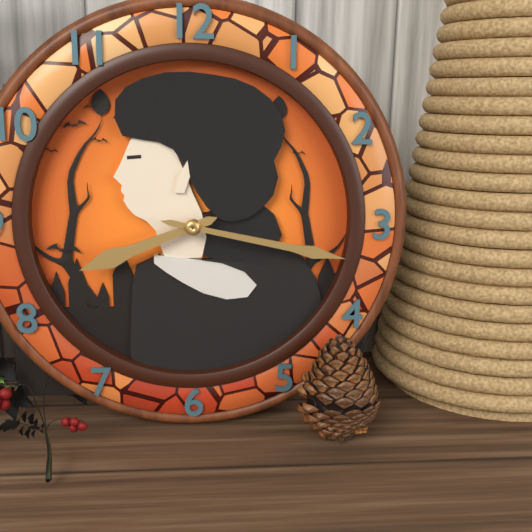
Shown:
**8:17**
